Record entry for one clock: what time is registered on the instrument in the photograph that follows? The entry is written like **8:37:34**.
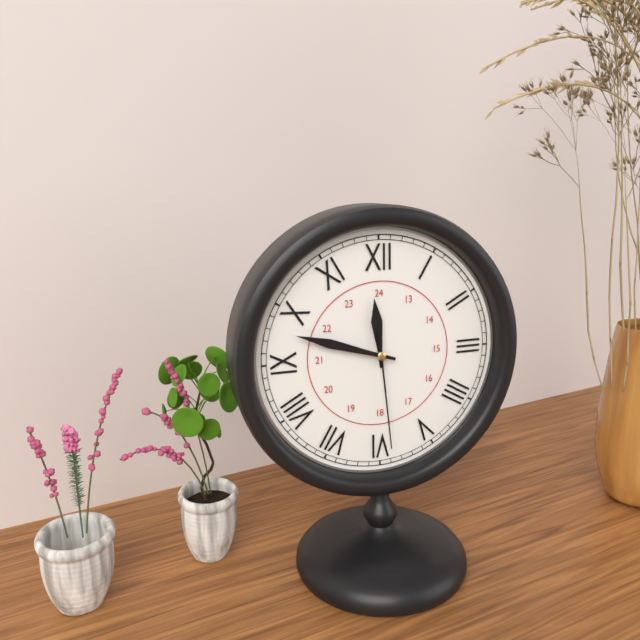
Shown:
**11:48:29**
